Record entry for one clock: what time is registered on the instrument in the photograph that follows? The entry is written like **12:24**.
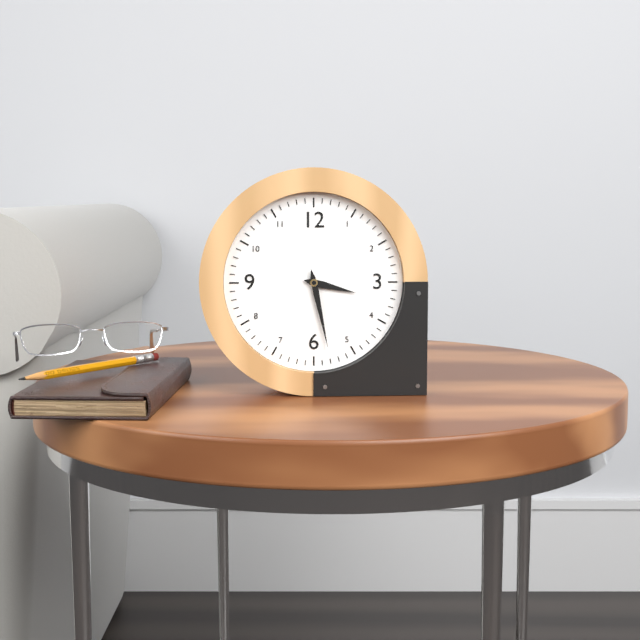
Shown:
**3:28**
